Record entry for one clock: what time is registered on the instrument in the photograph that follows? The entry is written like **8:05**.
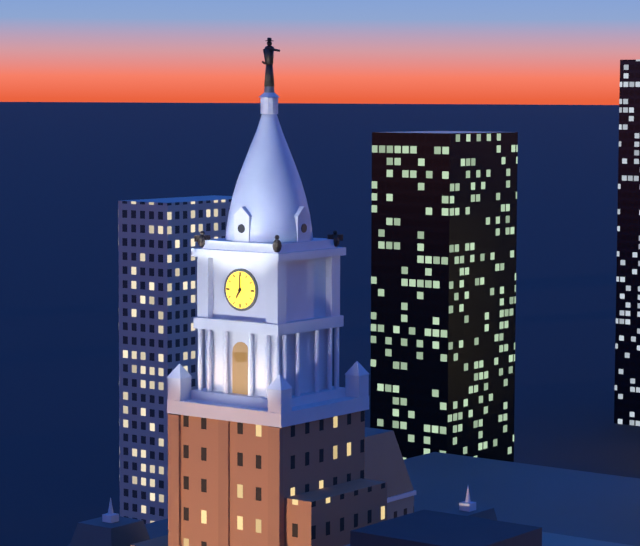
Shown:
**7:00**
